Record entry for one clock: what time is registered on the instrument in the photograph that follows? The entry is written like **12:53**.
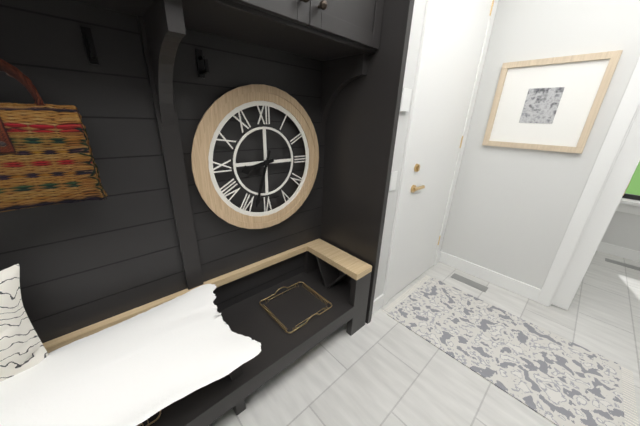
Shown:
**8:33**
